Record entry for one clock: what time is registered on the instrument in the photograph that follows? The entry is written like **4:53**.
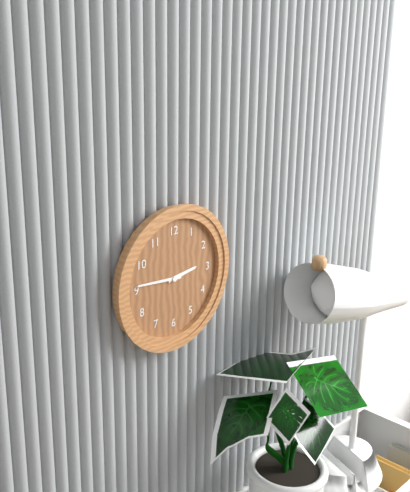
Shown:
**2:46**
